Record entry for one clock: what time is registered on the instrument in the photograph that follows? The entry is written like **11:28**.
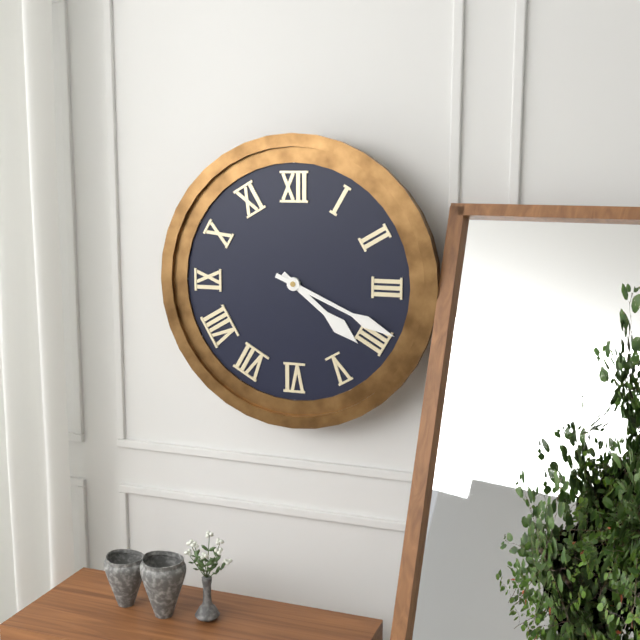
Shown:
**4:19**
